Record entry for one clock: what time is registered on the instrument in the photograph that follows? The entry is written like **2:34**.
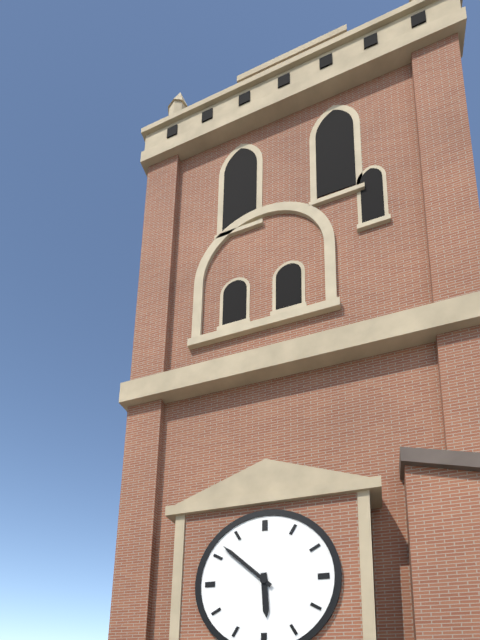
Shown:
**5:52**
